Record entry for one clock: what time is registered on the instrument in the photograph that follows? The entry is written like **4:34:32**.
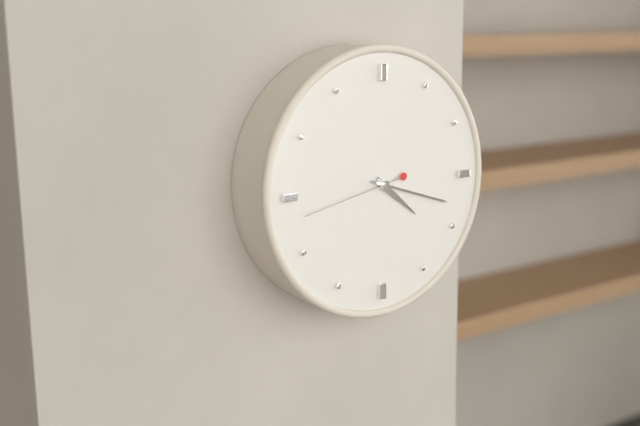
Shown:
**4:18:43**
